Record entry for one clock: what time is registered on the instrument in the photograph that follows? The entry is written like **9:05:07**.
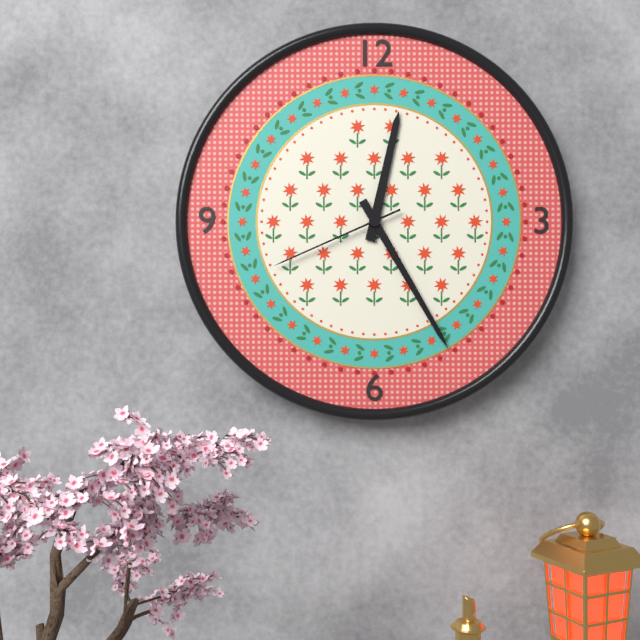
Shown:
**12:25:41**
